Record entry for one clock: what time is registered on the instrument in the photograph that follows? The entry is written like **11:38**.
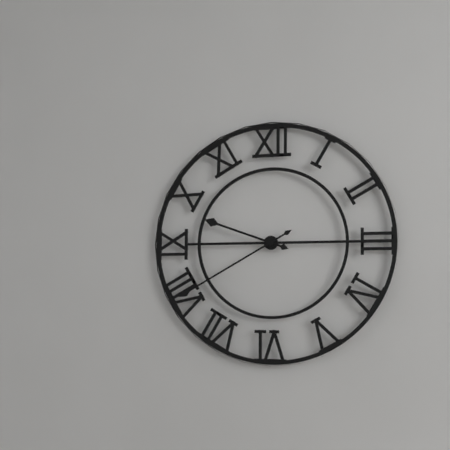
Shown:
**9:40**
